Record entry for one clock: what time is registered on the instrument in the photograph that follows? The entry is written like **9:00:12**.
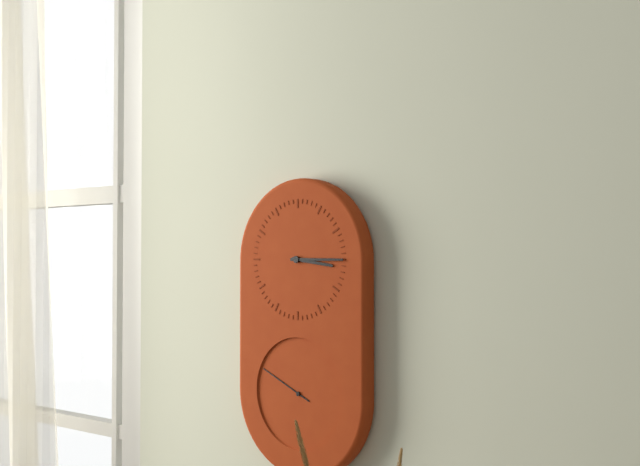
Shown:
**3:15:49**
